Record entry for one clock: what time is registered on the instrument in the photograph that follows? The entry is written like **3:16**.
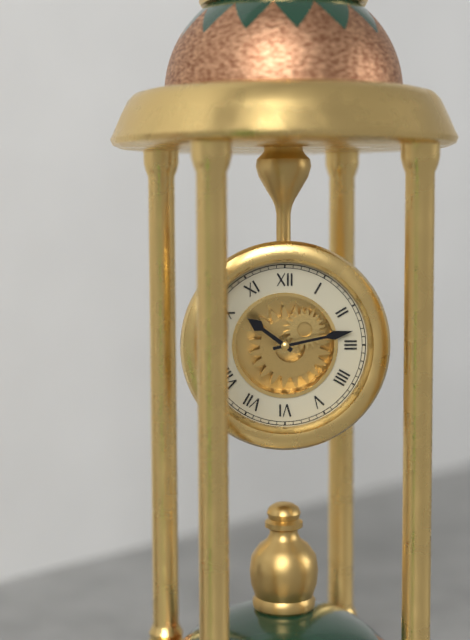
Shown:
**10:13**
